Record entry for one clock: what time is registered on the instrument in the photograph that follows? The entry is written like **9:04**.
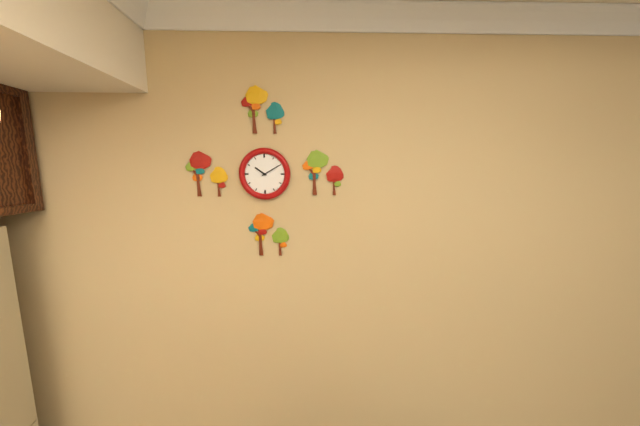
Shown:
**10:10**
